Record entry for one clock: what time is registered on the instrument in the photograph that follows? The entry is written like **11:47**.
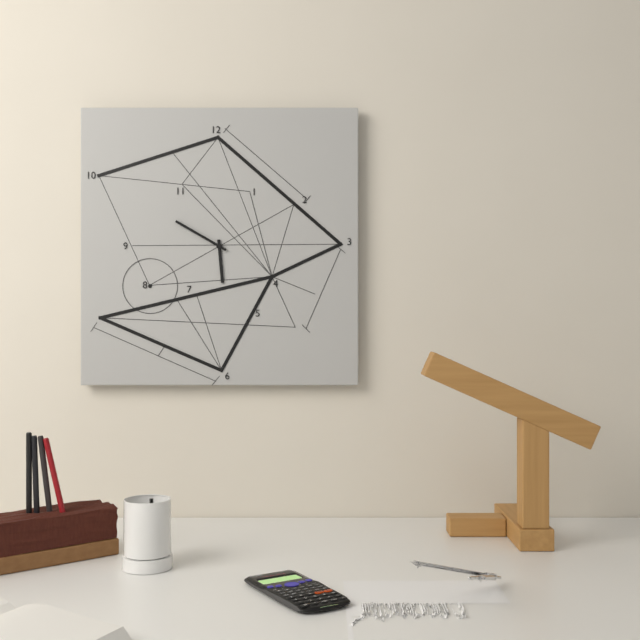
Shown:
**5:50**
